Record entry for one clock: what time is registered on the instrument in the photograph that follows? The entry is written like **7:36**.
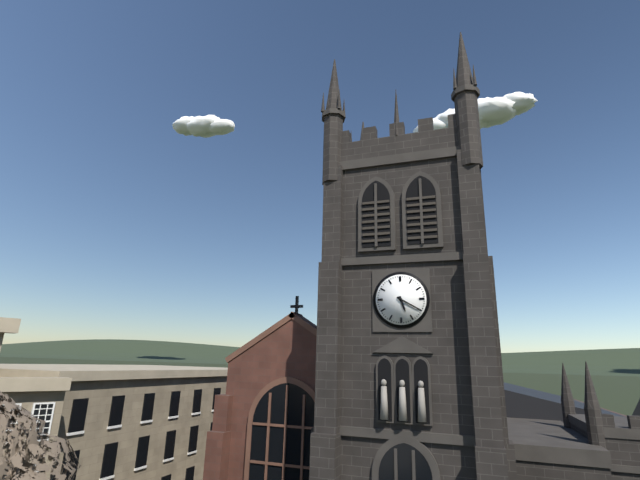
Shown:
**5:20**
